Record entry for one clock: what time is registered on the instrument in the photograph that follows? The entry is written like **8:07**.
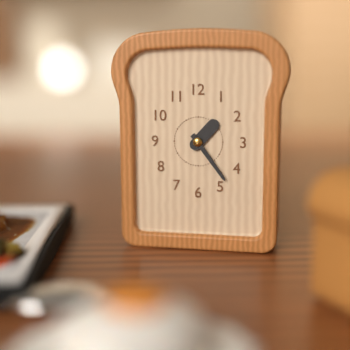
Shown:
**1:24**
